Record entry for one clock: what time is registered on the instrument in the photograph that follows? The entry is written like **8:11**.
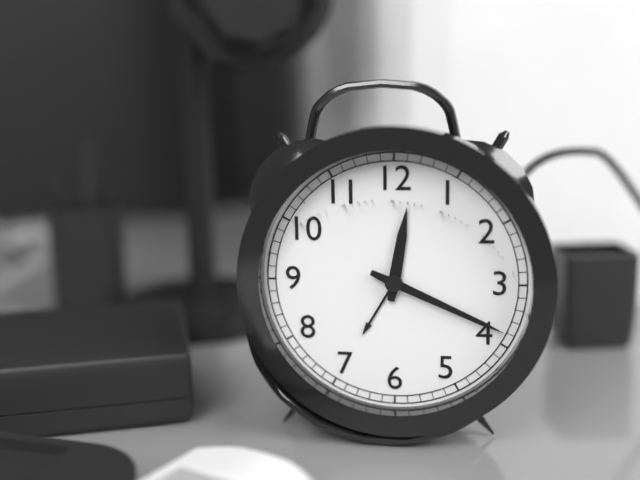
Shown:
**12:19**
